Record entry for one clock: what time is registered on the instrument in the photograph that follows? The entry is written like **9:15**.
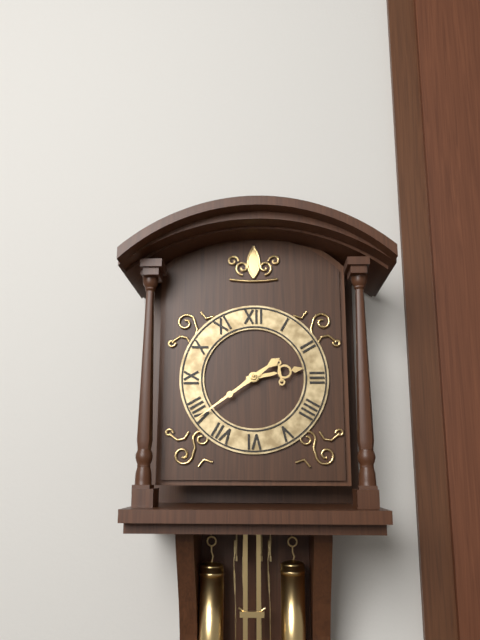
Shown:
**2:39**
